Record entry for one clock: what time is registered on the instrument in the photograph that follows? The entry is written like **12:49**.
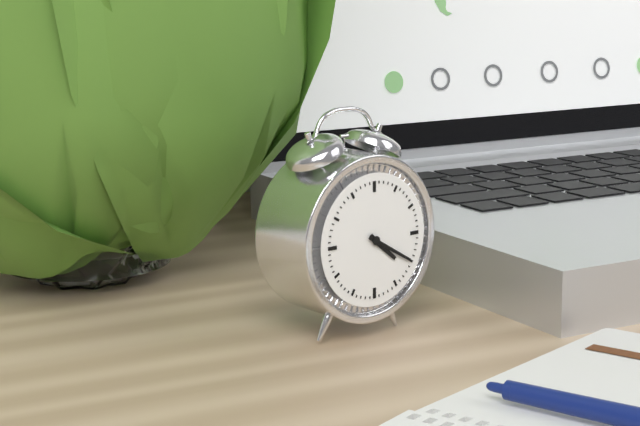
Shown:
**4:20**
